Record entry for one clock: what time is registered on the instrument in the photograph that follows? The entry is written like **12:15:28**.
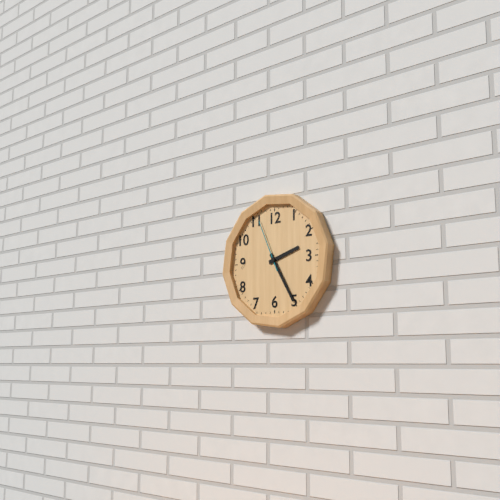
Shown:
**2:25:56**
